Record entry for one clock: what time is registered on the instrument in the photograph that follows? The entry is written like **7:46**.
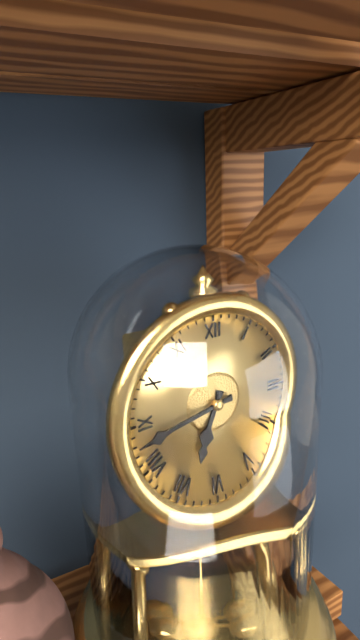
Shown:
**6:43**
